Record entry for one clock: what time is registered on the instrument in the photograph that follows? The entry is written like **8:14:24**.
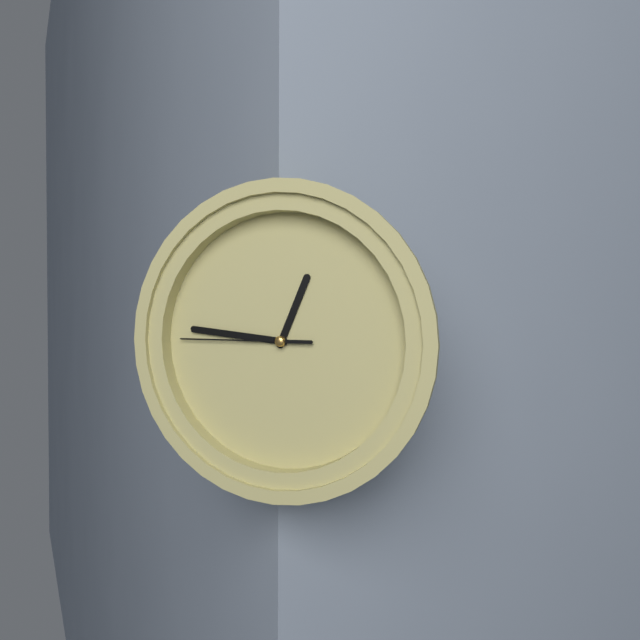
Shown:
**12:46:45**
